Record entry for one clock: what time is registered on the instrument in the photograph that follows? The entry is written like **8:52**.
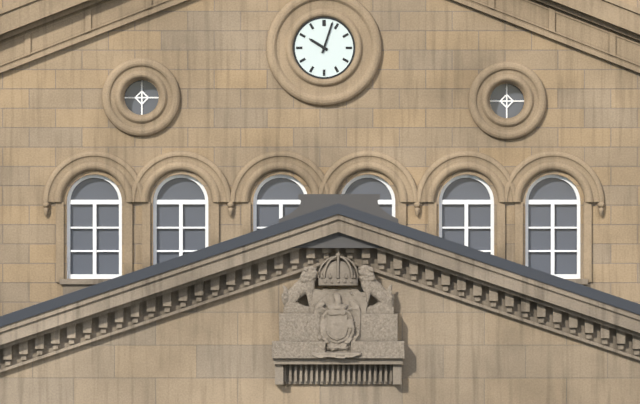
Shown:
**10:03**
